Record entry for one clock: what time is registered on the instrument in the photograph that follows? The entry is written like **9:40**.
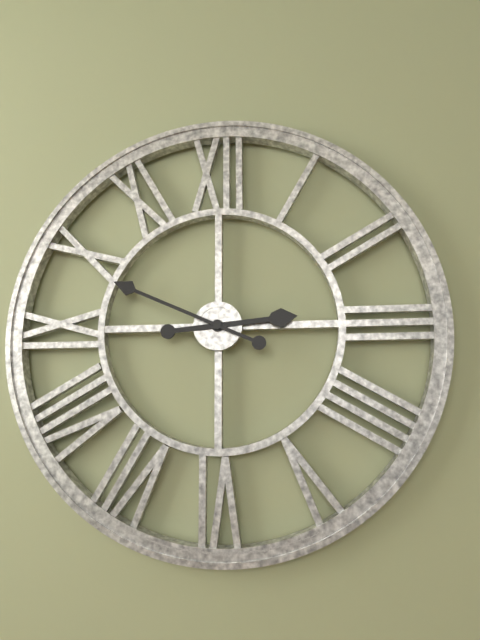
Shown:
**2:49**
